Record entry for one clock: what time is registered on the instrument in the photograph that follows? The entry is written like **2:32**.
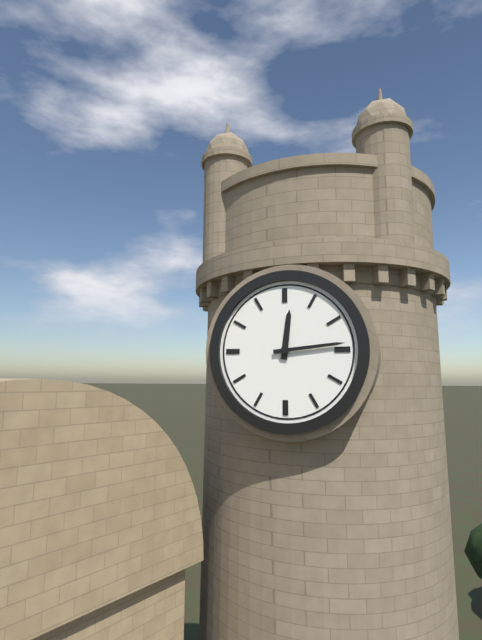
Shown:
**12:14**
